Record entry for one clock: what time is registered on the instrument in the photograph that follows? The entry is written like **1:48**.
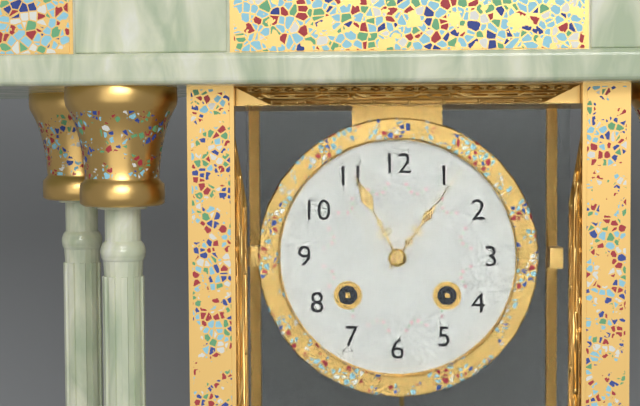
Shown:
**11:06**
